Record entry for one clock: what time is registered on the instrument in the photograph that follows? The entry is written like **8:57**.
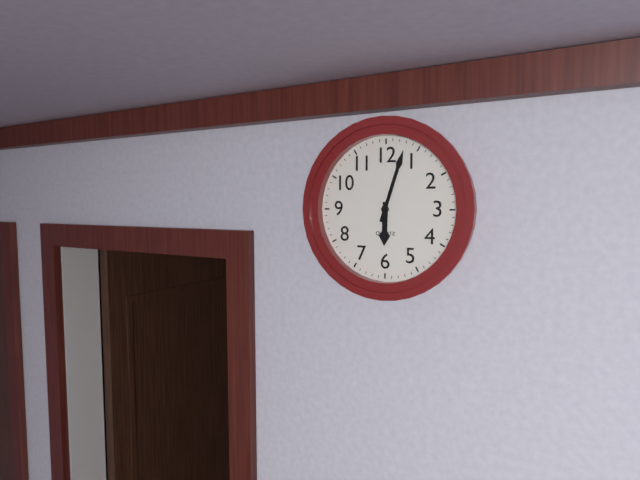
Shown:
**6:03**
